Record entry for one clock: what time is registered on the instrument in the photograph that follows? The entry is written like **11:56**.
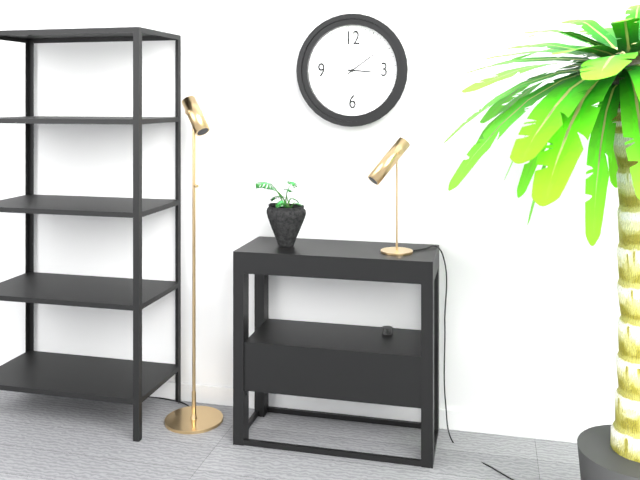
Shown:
**3:09**
